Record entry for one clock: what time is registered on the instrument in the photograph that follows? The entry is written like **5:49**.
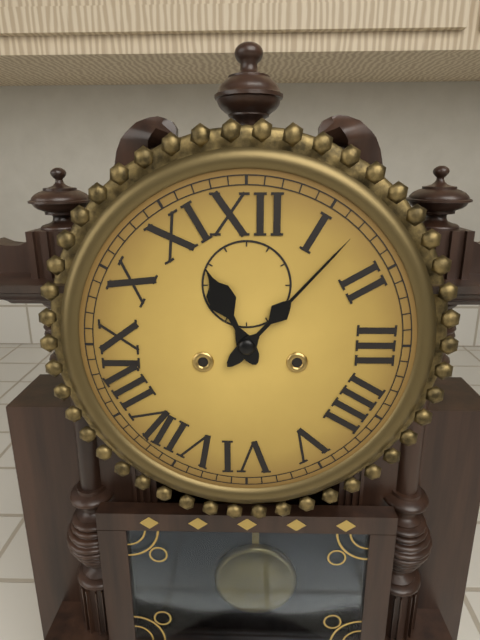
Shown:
**11:07**
